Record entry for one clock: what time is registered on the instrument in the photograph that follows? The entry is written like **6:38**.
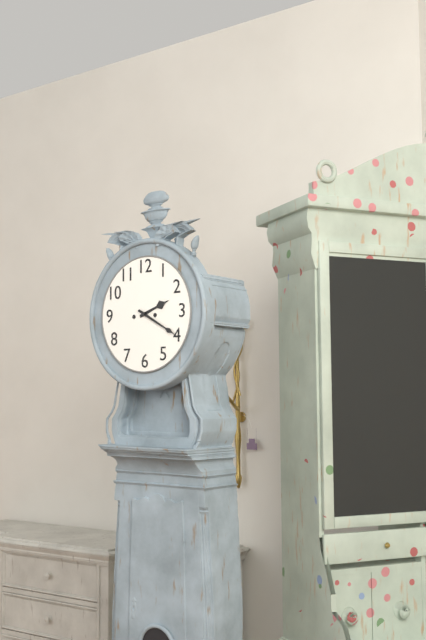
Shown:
**2:20**
